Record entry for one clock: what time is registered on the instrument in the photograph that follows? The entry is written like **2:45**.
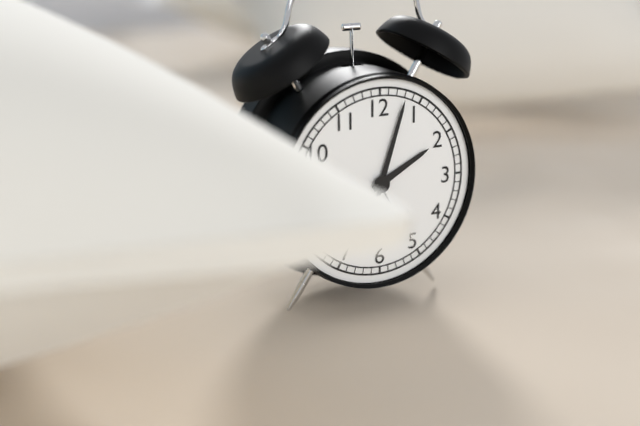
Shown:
**2:03**
